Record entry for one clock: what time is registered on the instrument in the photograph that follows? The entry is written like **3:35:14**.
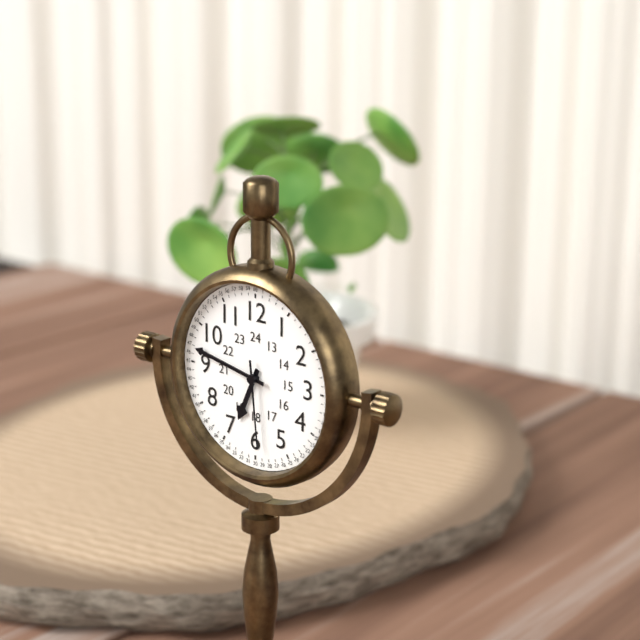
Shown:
**6:47:29**
